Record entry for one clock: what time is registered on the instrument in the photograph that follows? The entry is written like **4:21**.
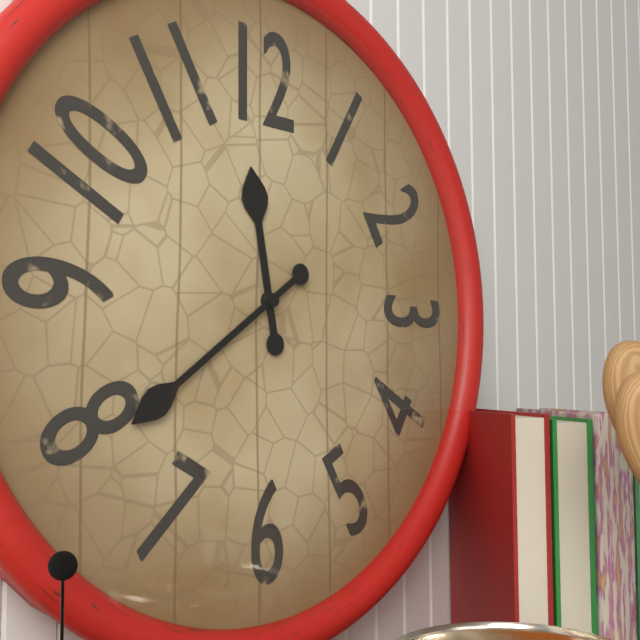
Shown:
**11:39**
